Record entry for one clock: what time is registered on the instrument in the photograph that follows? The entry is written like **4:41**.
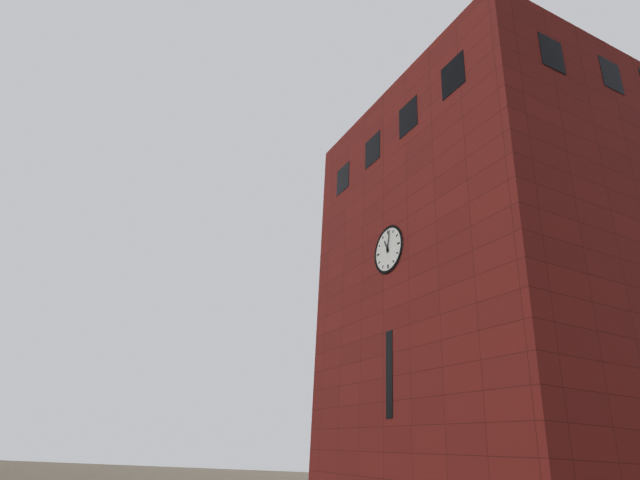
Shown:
**11:02**
